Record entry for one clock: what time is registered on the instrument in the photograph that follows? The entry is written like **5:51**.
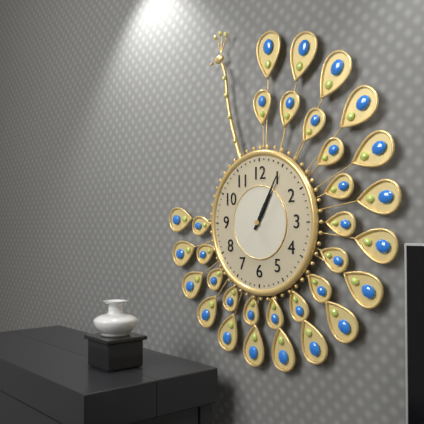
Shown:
**1:05**
